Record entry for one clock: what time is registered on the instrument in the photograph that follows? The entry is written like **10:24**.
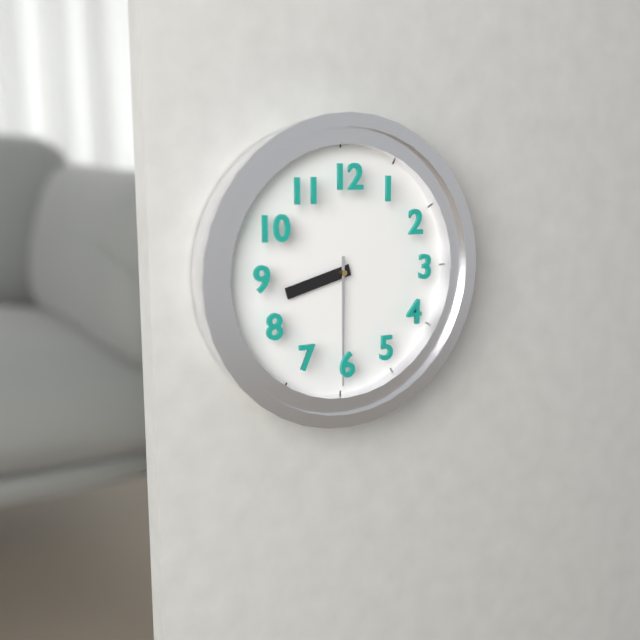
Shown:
**8:30**
